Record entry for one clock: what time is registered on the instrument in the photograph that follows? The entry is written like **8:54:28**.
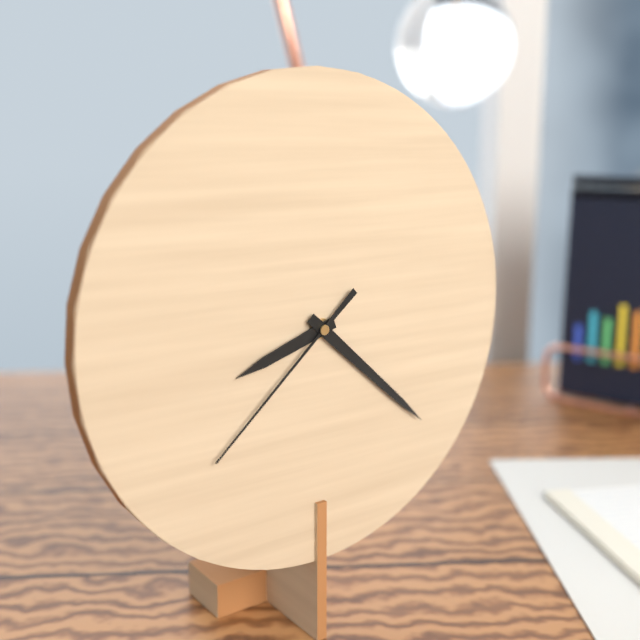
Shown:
**8:22:38**
